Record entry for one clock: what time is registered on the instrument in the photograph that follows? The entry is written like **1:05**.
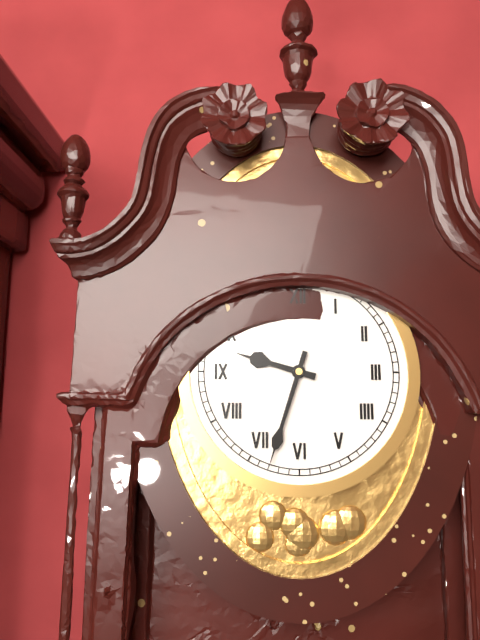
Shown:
**9:33**
